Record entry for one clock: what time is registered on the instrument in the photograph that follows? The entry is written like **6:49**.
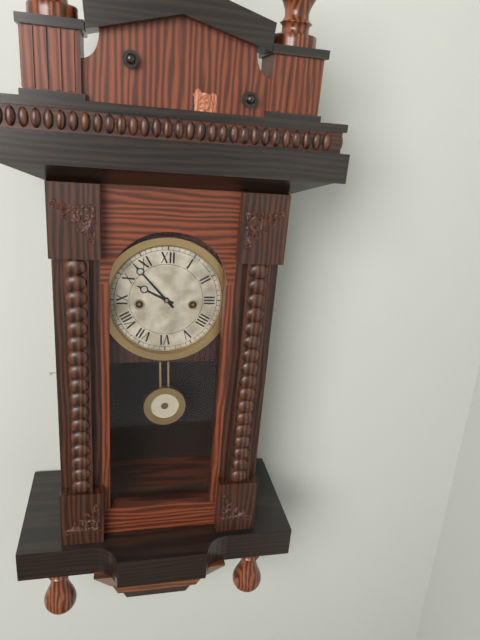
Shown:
**9:53**
